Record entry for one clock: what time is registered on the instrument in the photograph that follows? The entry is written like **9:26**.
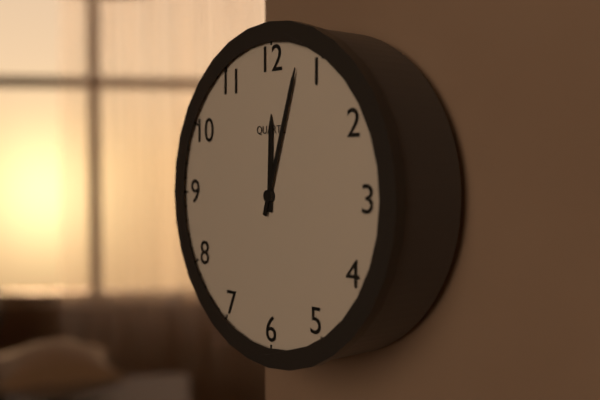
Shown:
**12:03**
